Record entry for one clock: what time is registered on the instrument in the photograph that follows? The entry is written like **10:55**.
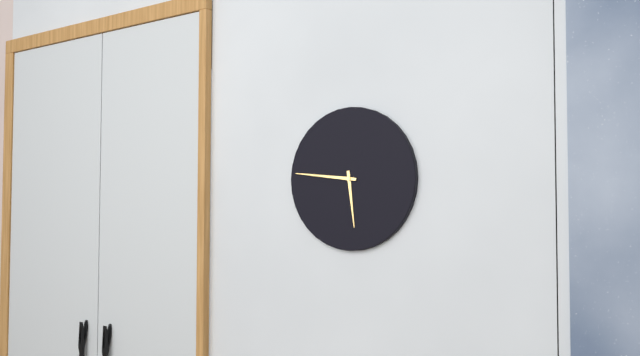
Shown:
**5:46**
